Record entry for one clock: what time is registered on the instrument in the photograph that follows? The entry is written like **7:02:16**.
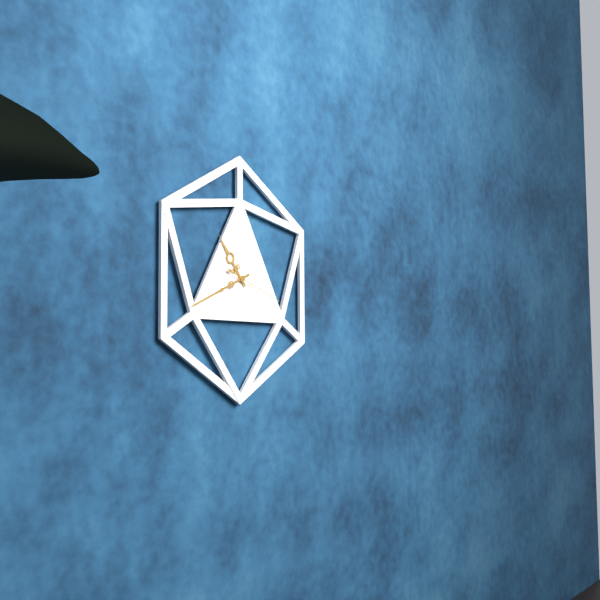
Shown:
**10:41:18**
